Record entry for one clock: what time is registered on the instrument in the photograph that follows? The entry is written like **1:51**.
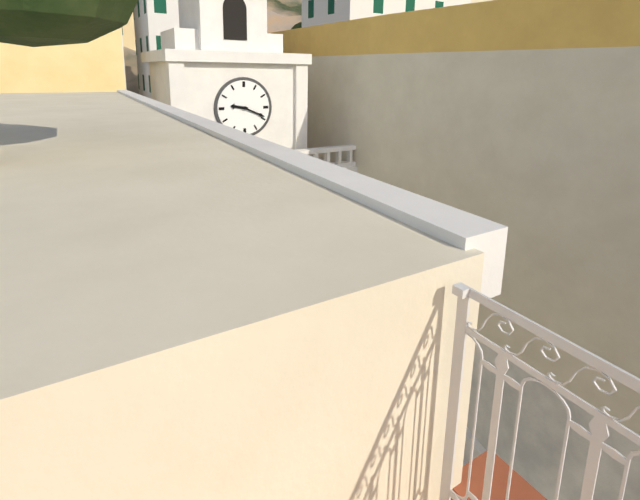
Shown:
**9:19**
